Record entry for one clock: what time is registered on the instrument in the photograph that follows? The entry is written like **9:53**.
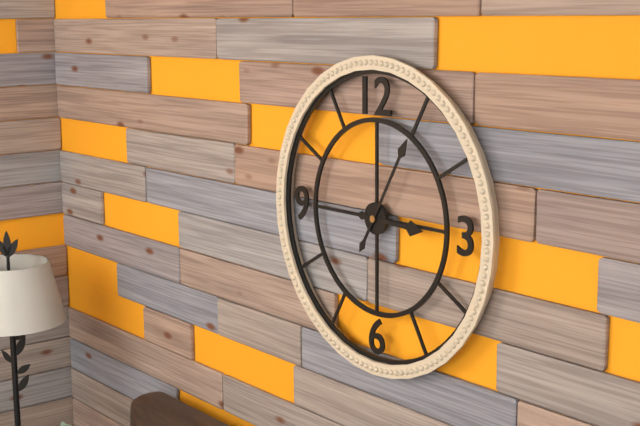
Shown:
**3:05**
